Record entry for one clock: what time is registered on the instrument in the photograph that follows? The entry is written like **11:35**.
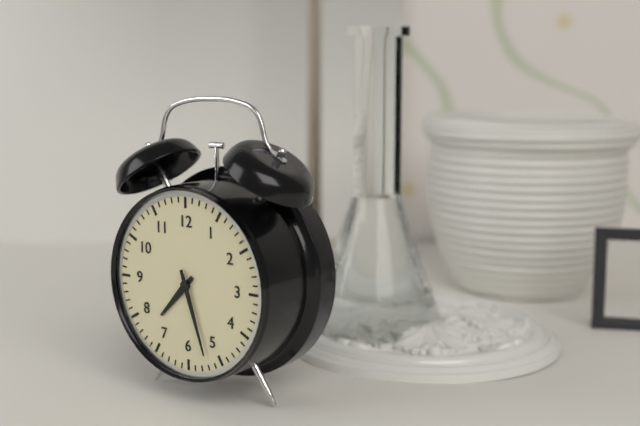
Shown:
**7:27**
